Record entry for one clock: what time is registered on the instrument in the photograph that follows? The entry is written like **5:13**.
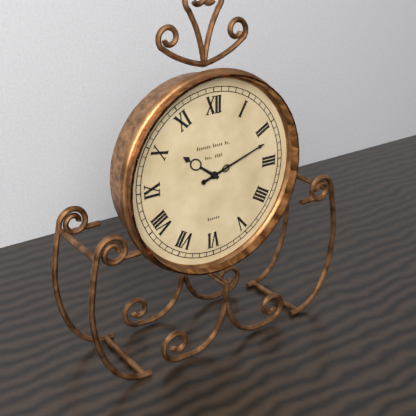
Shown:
**10:12**
